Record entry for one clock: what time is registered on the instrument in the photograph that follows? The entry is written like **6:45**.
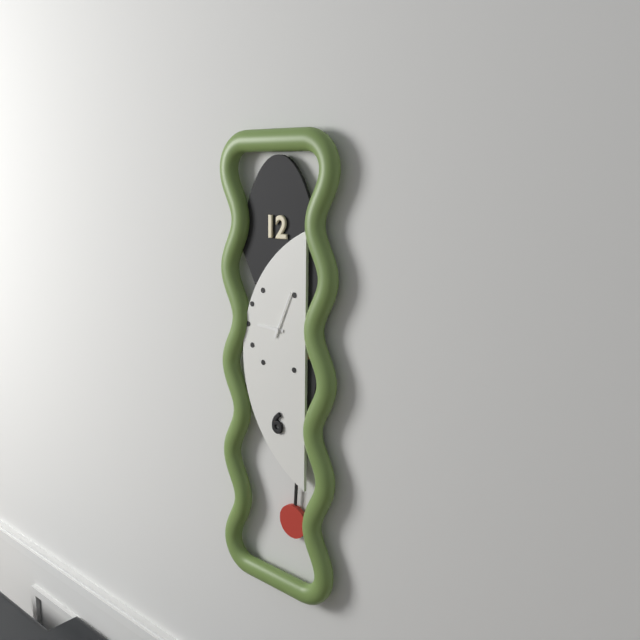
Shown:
**9:04**
